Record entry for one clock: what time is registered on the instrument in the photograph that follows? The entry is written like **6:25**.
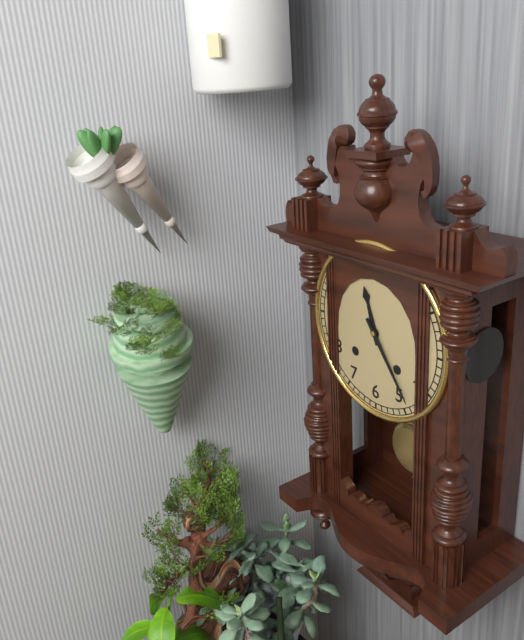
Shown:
**11:24**
